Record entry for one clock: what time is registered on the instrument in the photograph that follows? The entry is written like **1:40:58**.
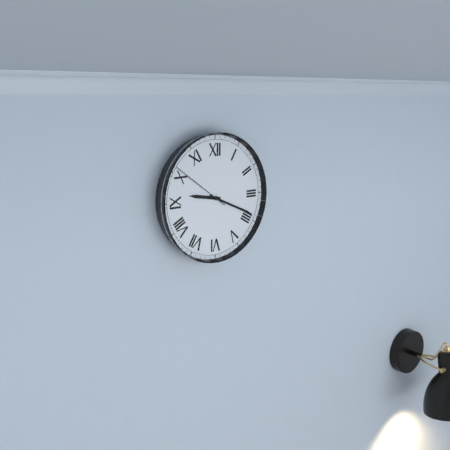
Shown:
**9:19:51**
